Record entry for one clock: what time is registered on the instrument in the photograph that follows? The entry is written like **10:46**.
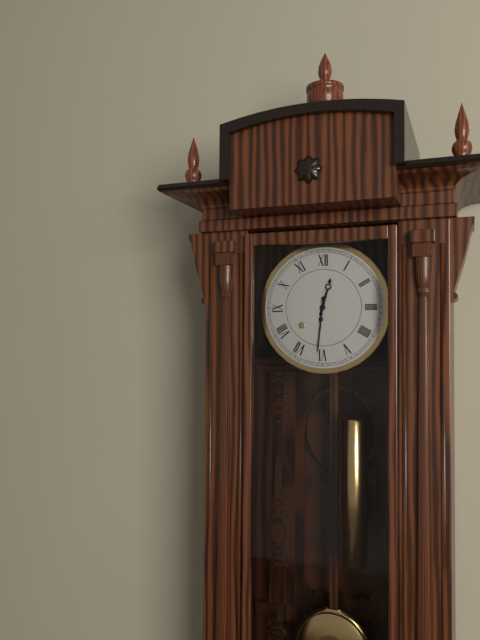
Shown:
**12:31**
